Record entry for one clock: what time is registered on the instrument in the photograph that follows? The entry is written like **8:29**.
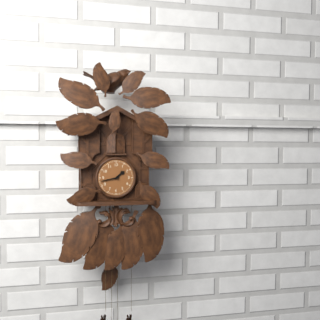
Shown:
**1:43**
